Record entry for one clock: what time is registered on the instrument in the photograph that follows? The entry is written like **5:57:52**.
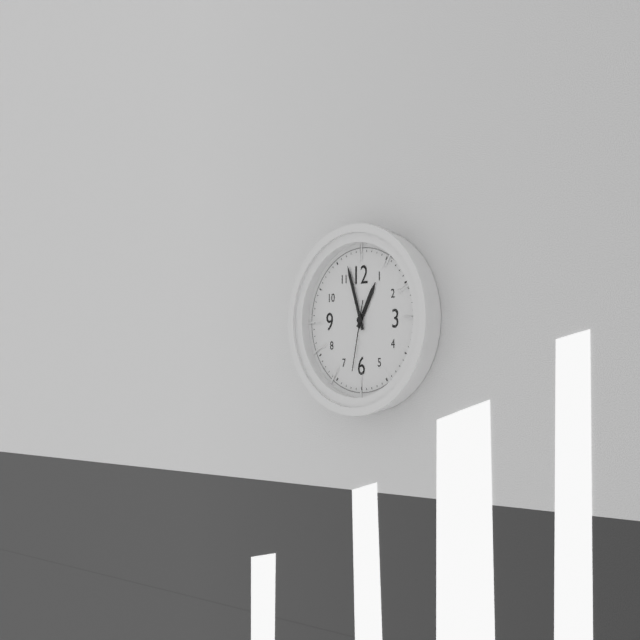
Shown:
**12:57:32**
